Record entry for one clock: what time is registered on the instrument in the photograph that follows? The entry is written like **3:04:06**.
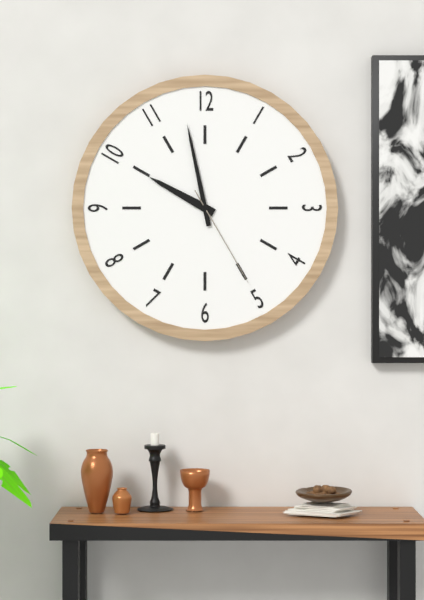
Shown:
**9:58:25**
